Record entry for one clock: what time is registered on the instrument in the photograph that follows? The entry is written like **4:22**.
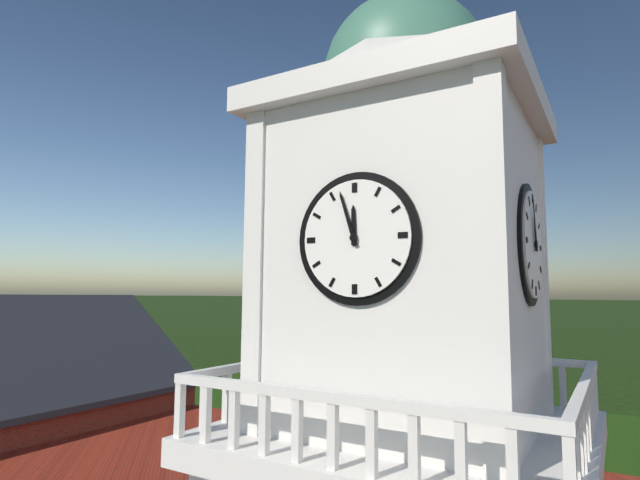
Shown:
**11:57**
